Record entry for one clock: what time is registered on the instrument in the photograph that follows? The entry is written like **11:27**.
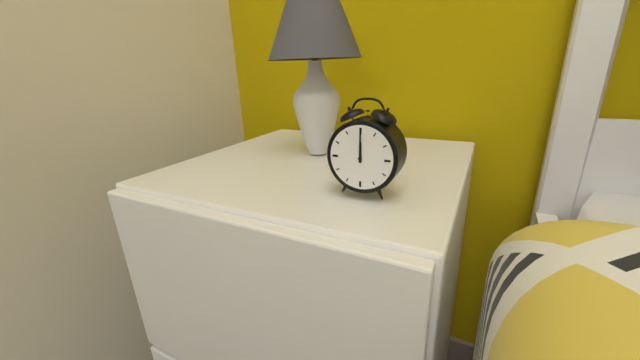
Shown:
**12:00**
